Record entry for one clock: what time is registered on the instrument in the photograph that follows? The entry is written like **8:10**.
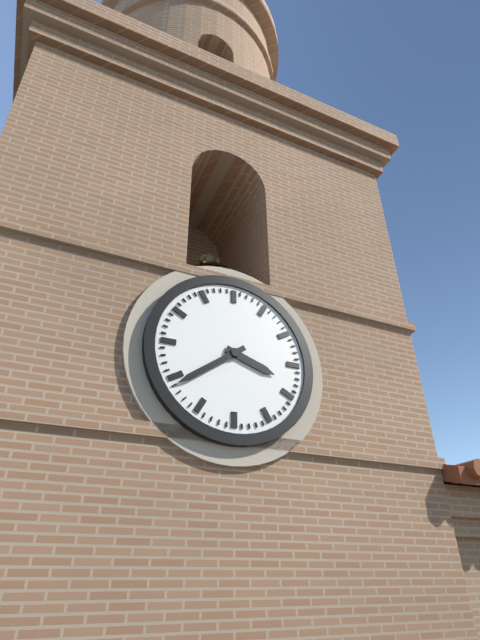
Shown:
**3:39**
